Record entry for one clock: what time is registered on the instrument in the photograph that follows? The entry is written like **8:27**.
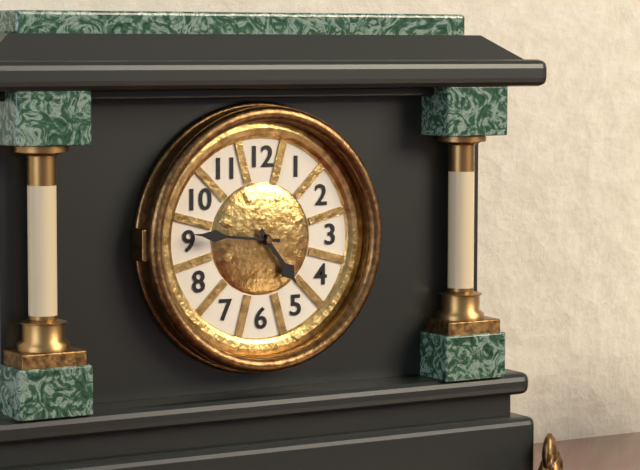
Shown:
**4:46**
